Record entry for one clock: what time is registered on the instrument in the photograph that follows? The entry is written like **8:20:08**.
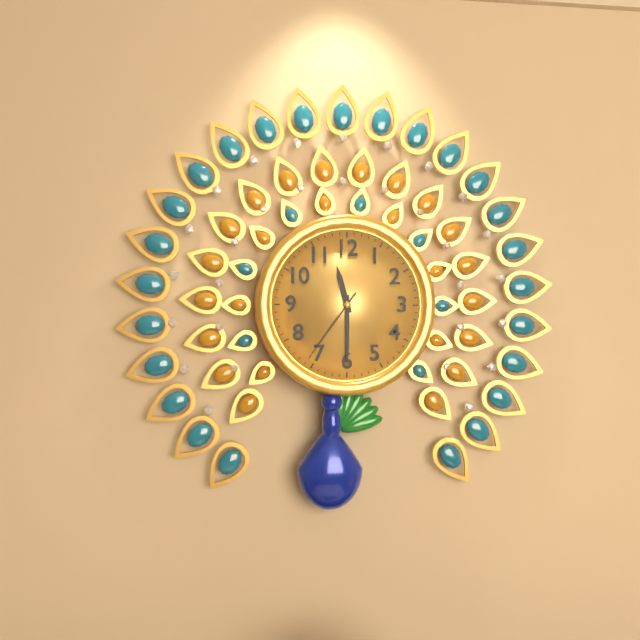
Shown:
**11:30:36**
